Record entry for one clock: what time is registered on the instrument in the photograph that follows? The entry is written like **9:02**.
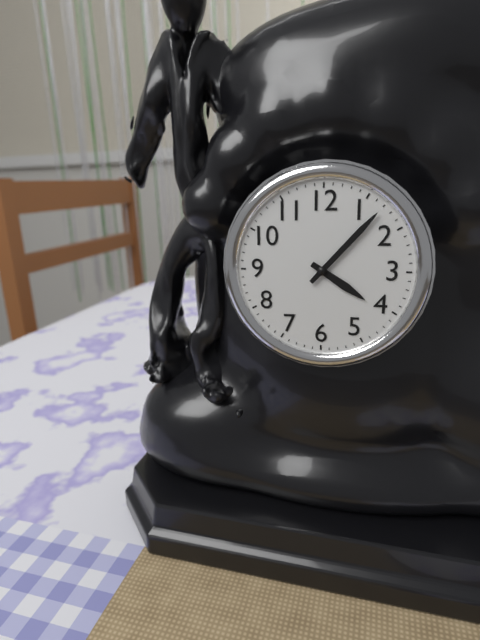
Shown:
**4:07**
